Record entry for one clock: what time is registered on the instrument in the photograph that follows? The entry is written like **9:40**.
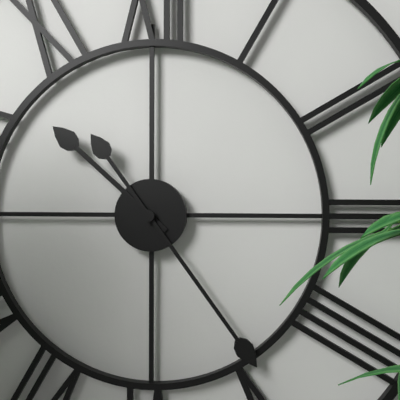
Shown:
**10:24**
